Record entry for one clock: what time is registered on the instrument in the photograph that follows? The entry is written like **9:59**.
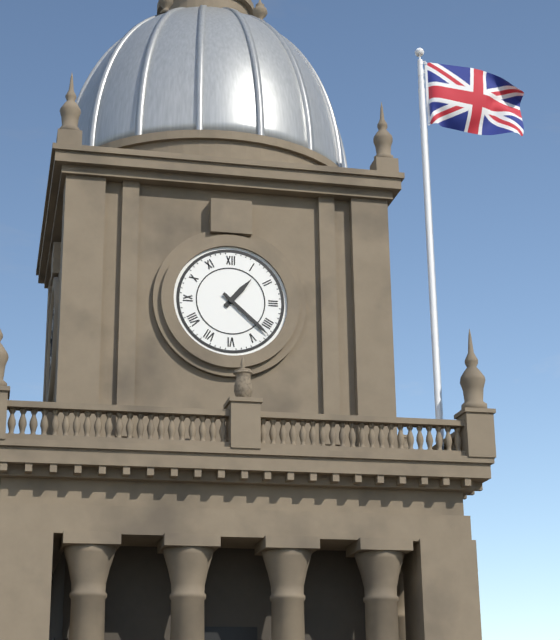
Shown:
**1:22**
